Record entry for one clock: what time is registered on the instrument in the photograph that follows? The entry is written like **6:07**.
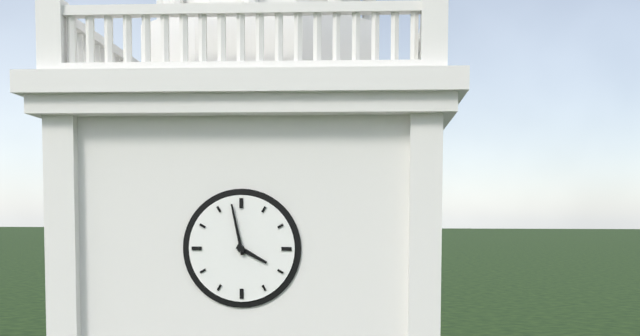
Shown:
**3:58**
